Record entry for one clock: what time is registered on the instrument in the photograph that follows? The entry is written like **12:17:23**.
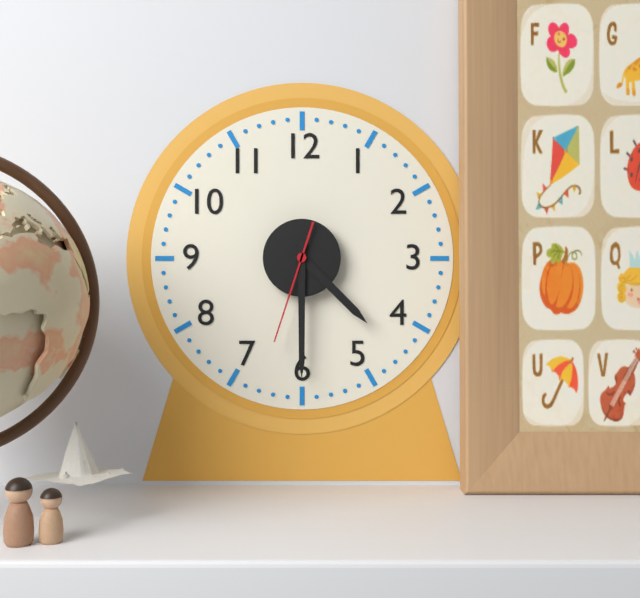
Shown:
**4:30:33**
